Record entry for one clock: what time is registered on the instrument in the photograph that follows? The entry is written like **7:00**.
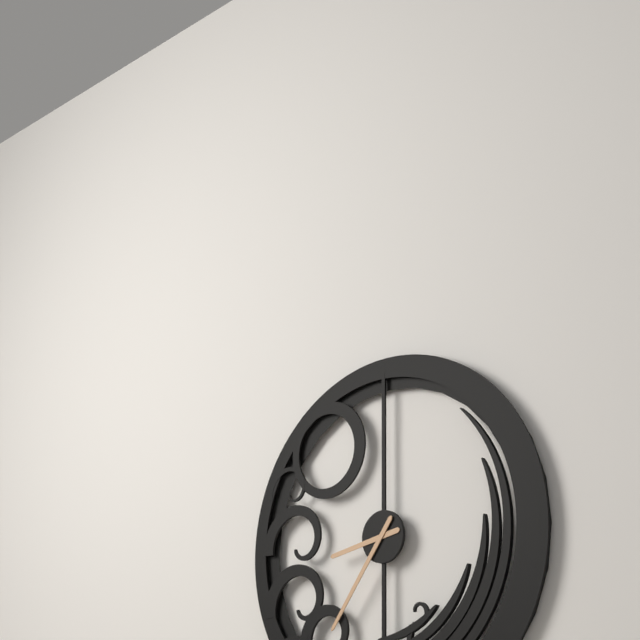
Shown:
**8:36**
